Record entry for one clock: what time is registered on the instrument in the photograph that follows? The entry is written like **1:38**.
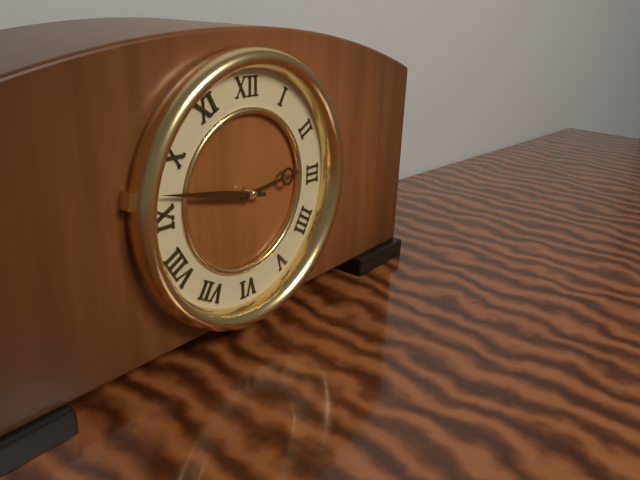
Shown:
**2:47**
